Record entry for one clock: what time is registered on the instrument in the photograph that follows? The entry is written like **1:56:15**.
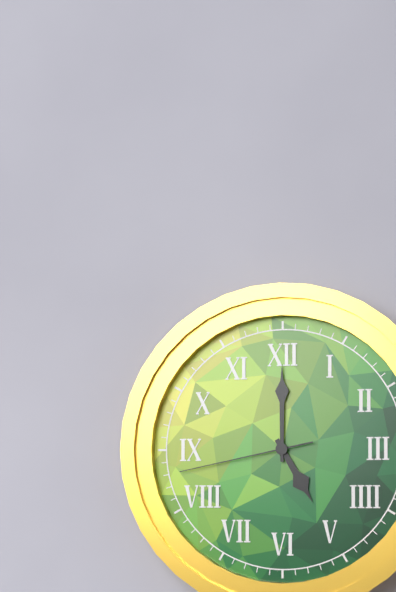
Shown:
**5:00:43**
